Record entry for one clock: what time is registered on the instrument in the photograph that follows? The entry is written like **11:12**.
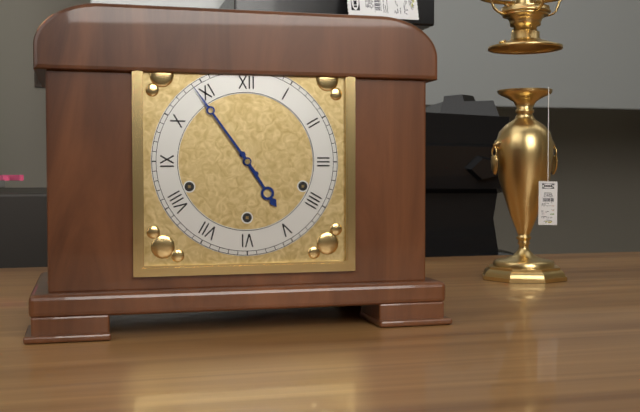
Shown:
**4:54**
